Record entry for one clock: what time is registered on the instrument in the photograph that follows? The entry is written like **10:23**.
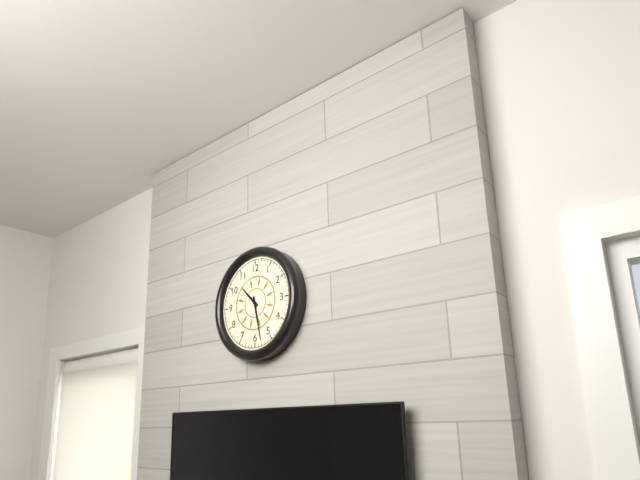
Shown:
**10:28**
